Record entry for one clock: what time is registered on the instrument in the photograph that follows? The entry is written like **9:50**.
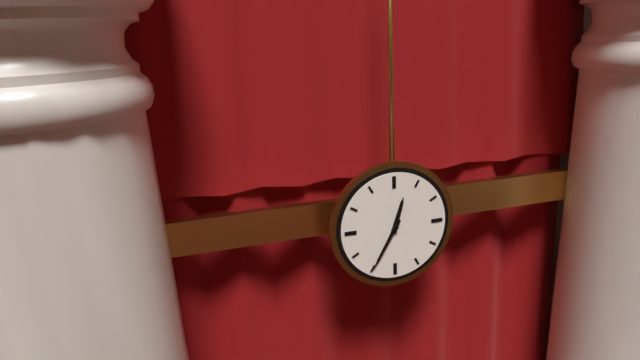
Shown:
**12:35**
